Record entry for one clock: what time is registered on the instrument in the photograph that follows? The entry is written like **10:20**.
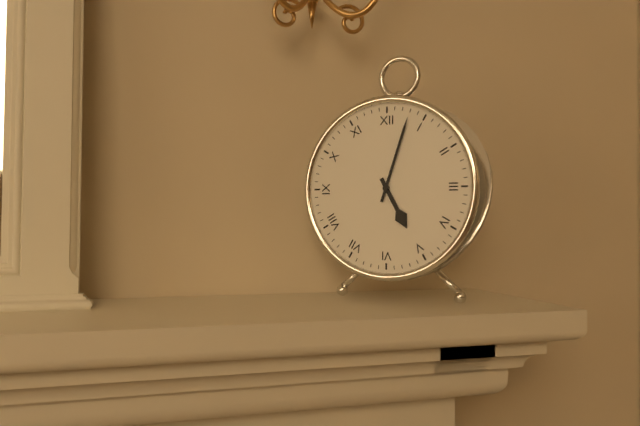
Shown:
**5:03**
